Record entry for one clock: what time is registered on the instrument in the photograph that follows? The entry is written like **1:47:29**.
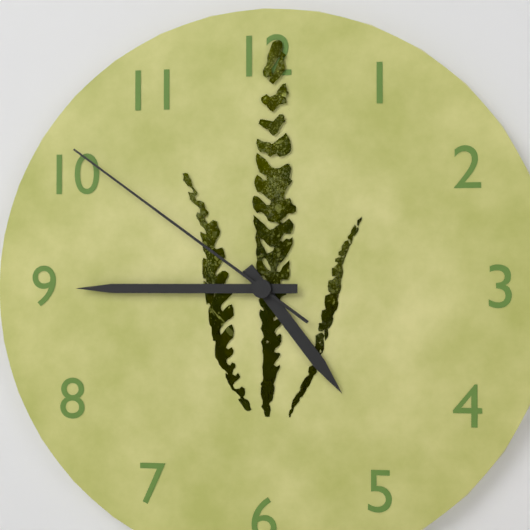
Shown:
**4:45:51**
